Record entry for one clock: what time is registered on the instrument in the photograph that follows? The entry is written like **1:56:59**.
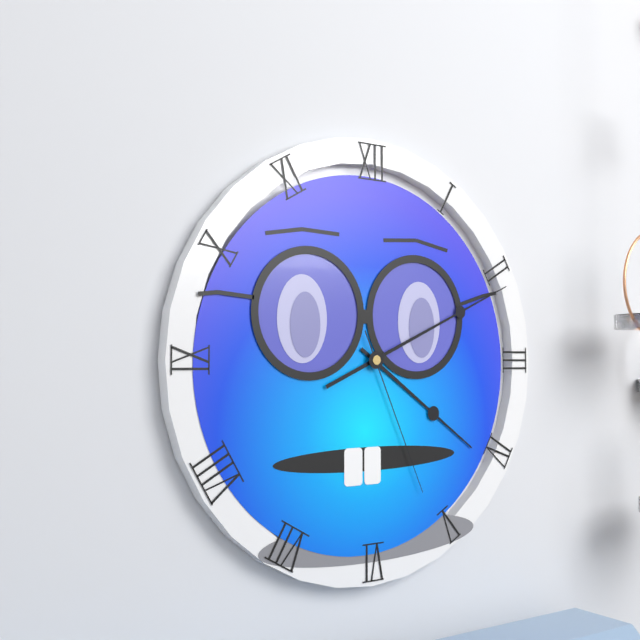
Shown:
**4:11:26**
